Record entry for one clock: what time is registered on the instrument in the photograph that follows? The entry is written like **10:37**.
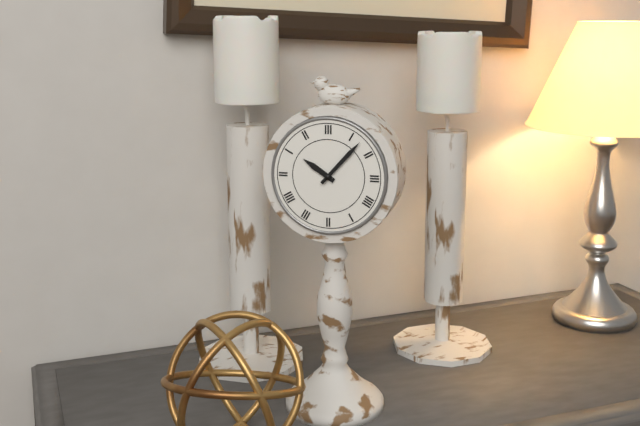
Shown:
**10:07**
